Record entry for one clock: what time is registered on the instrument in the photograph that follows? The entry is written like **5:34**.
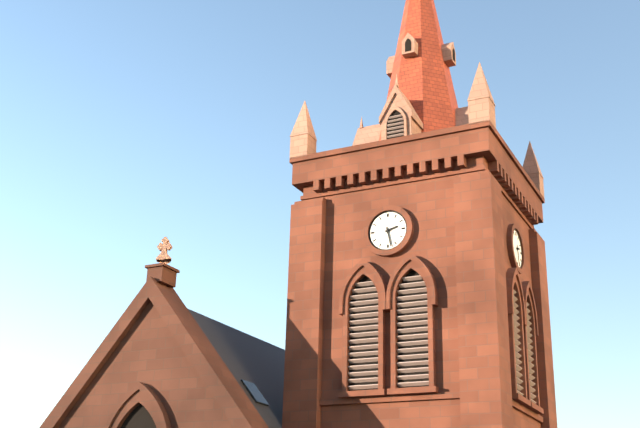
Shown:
**2:28**
